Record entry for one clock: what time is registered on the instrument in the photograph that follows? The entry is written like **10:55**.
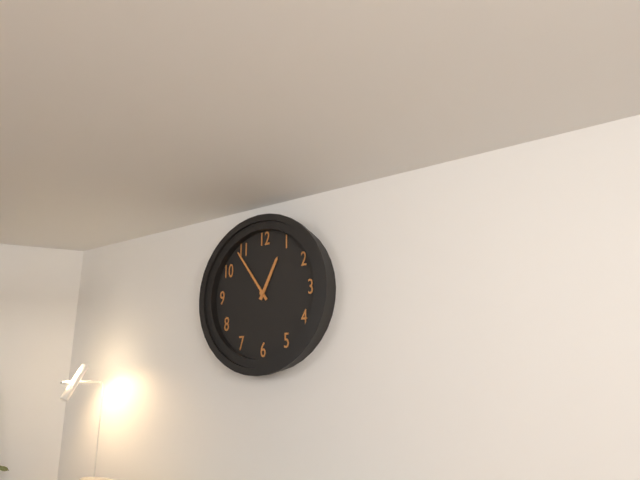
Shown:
**12:54**
